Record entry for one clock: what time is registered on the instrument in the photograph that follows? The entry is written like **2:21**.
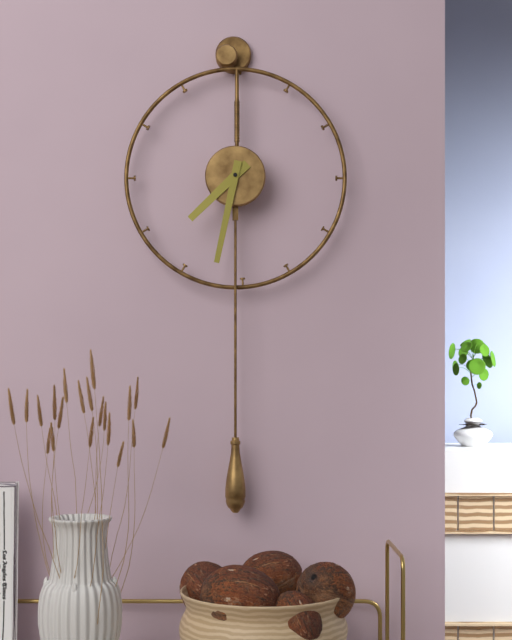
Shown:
**7:32**
